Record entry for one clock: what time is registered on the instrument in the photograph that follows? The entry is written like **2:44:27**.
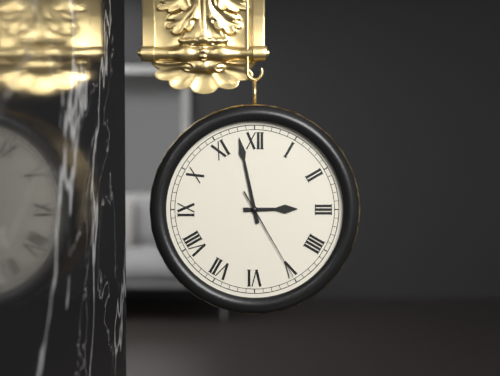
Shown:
**2:58:25**
